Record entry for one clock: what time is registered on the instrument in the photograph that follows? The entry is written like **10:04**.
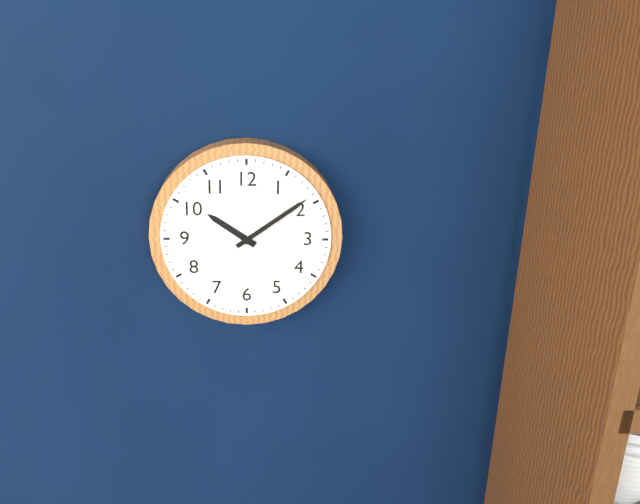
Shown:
**10:09**
